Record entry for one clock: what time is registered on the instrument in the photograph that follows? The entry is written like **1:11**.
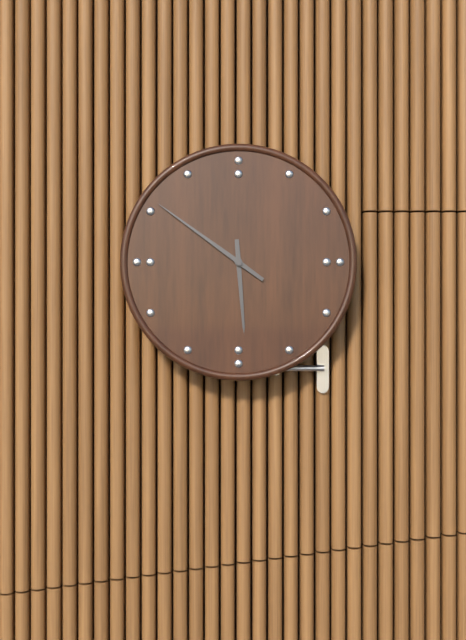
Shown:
**5:51**
